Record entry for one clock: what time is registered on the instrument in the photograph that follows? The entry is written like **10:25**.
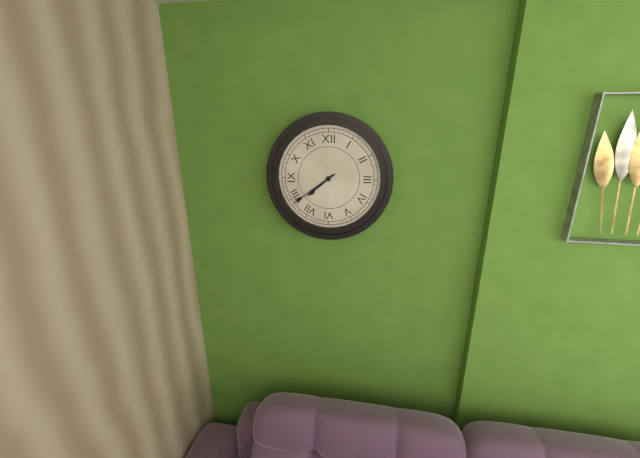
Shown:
**7:39**
